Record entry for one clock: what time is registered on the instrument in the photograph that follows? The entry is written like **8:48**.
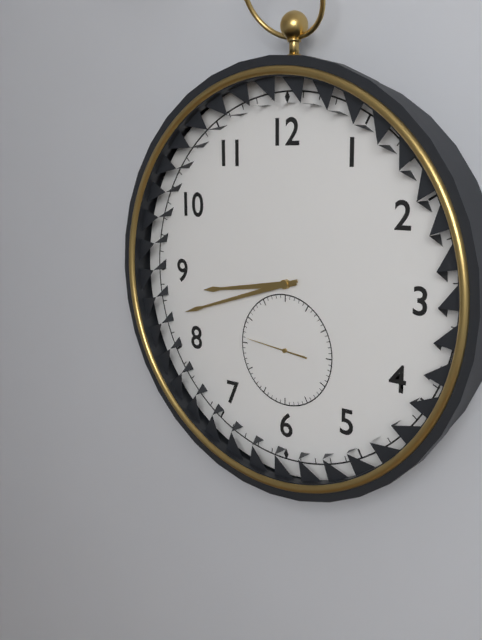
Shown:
**8:42**
